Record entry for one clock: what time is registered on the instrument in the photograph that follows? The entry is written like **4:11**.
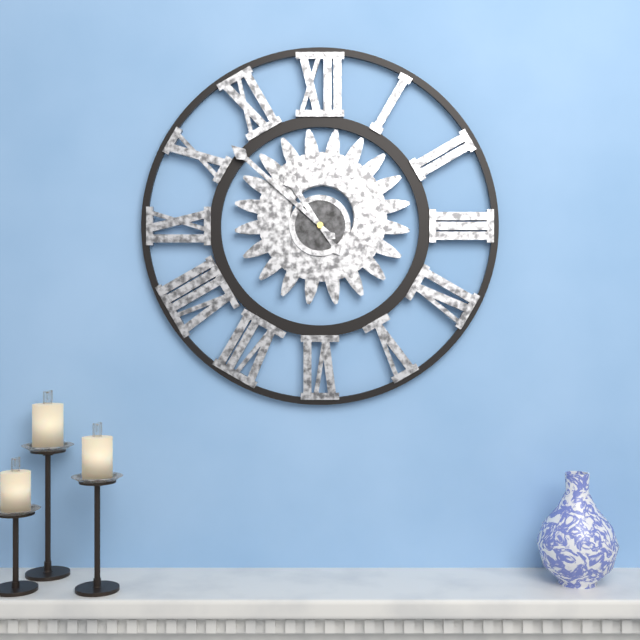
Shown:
**10:52**
